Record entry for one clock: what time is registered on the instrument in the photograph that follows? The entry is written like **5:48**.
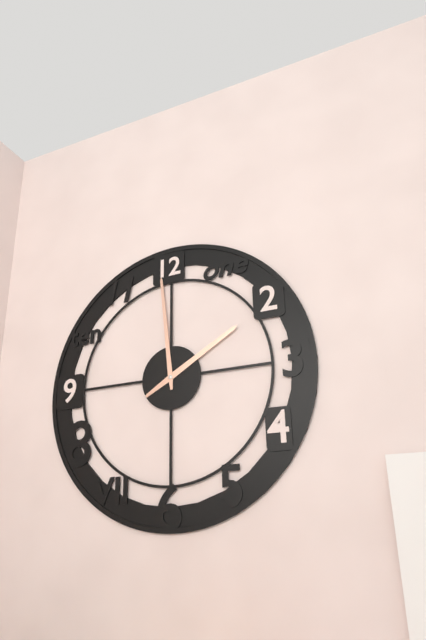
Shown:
**1:59**
